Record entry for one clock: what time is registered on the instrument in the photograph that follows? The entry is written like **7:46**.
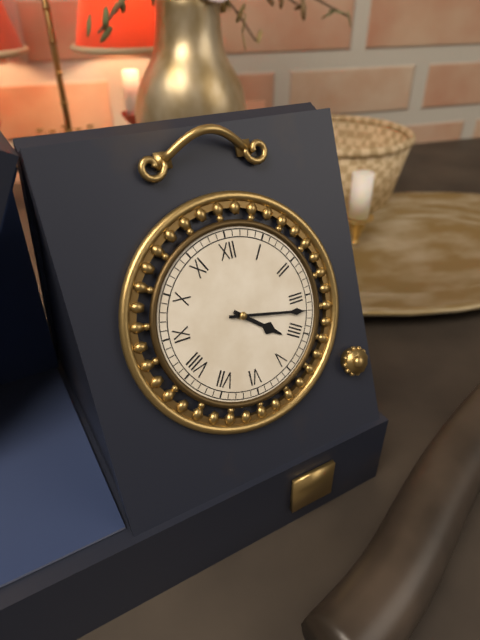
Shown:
**4:17**
